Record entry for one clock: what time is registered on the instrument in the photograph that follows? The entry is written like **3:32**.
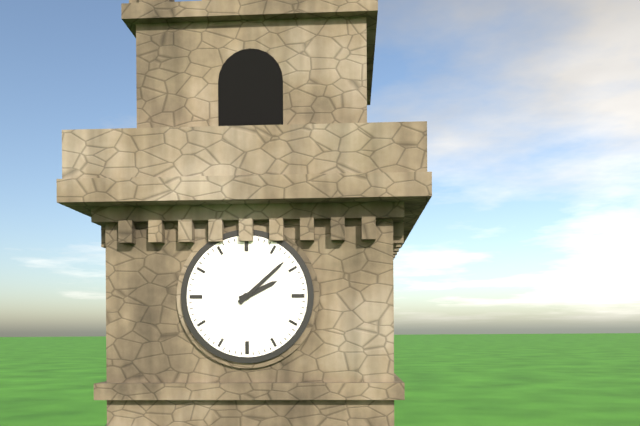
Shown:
**2:08**
